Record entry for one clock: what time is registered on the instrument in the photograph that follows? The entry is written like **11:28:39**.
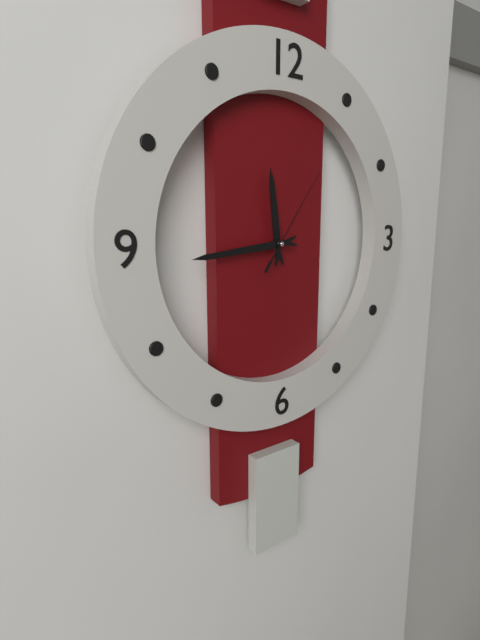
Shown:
**11:44:06**
